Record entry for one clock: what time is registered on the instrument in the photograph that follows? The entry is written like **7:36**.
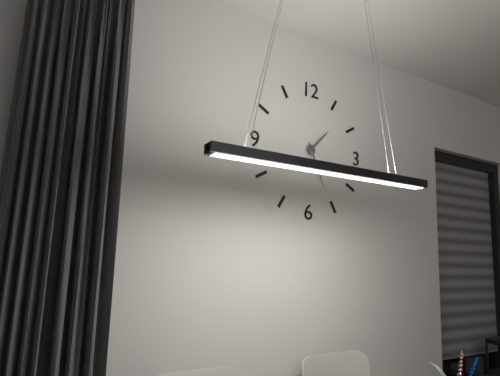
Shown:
**1:26**
